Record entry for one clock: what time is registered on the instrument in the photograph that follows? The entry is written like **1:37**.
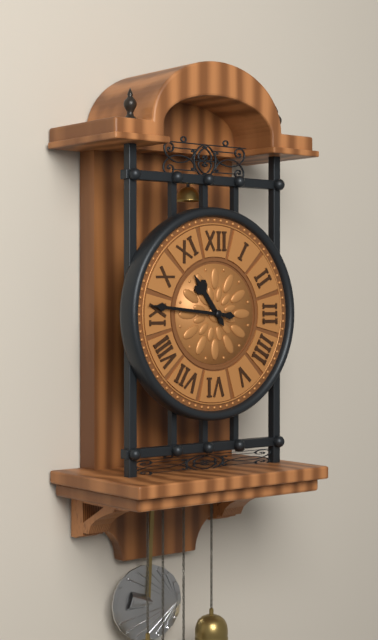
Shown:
**10:46**
